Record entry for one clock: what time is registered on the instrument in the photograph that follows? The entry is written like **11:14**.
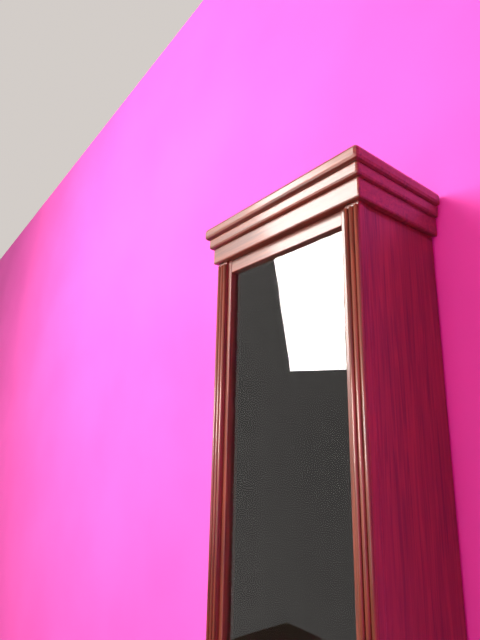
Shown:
**10:50**
